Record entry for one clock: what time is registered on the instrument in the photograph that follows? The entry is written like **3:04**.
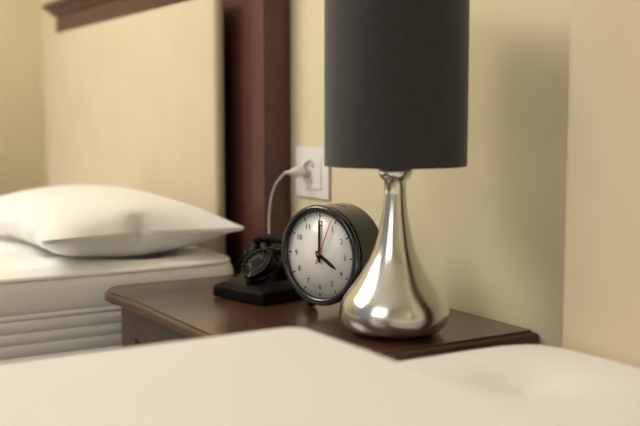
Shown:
**4:00**
